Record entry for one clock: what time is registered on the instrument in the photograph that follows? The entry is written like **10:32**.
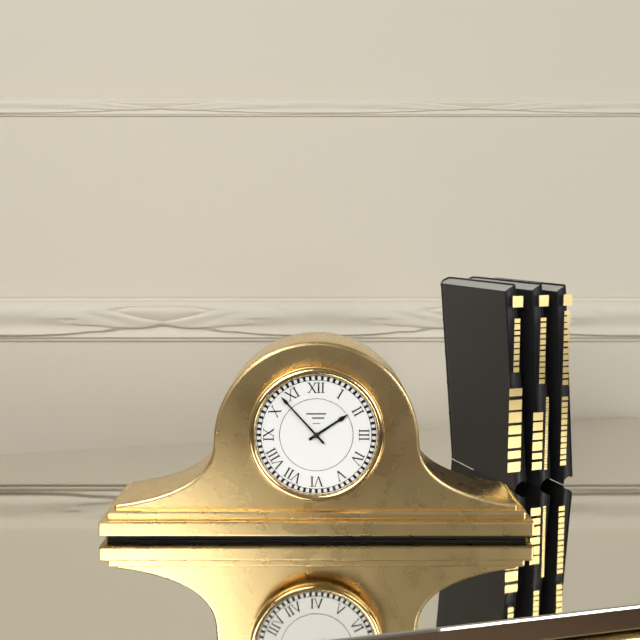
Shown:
**1:53**
